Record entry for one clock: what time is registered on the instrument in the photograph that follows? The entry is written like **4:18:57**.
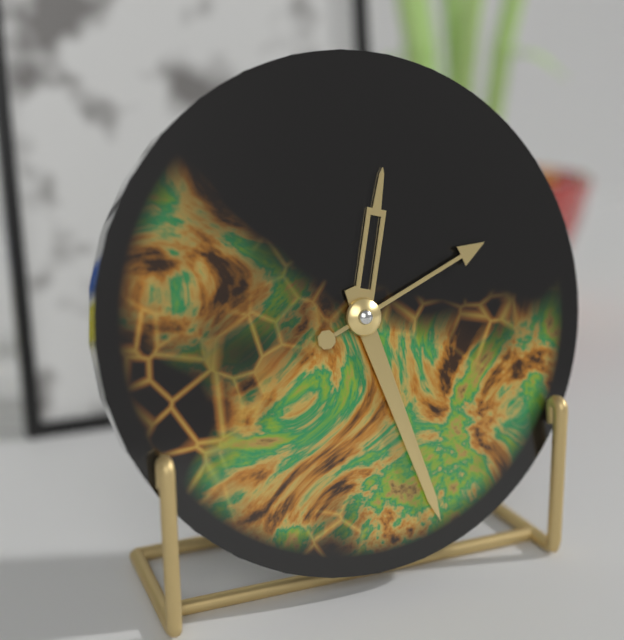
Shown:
**12:27:11**
